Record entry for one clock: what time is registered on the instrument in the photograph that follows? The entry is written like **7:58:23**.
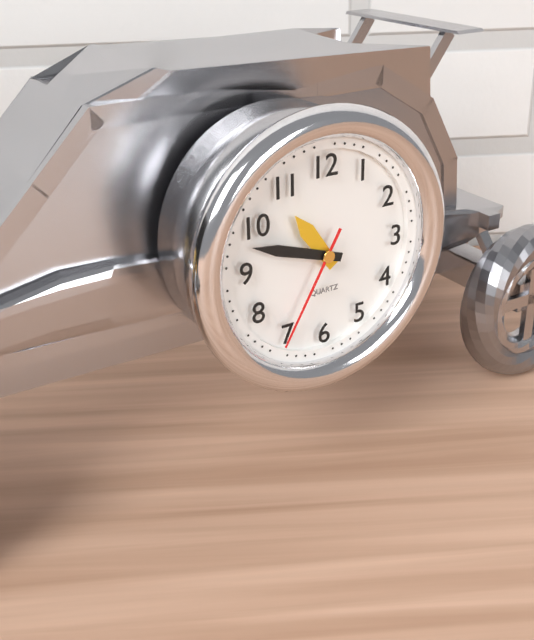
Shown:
**10:48:35**
